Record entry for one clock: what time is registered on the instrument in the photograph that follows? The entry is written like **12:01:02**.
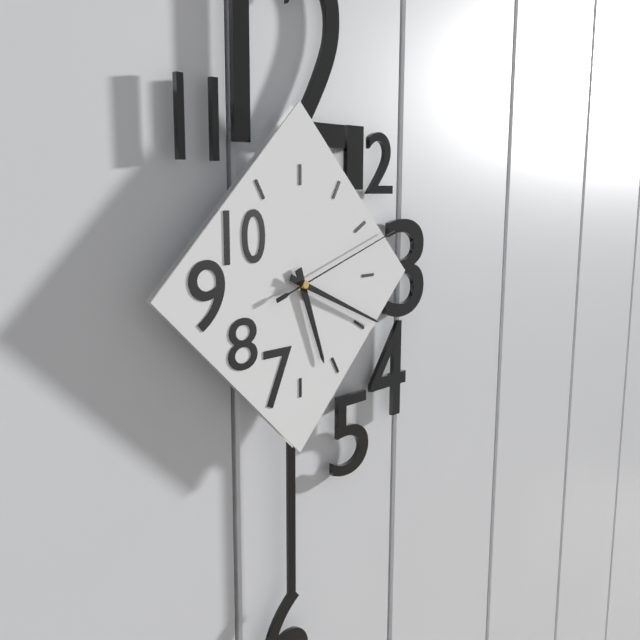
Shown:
**5:19:12**
